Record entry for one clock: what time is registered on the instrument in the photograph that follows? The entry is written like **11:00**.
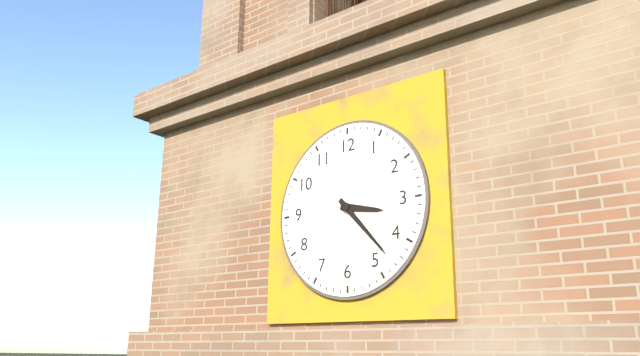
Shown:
**3:23**
